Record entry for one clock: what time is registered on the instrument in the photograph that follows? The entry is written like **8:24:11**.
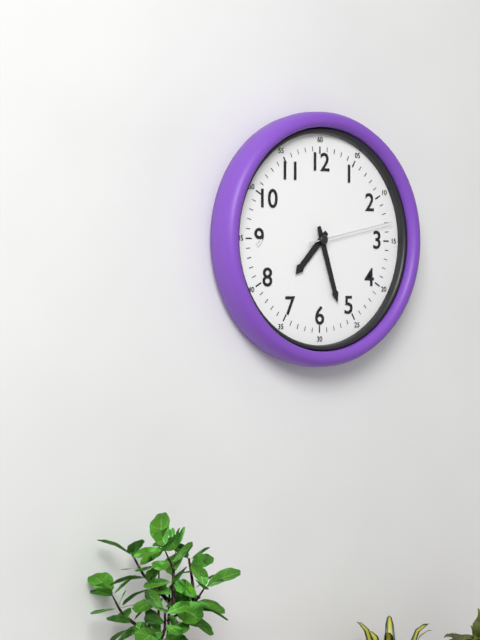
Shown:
**7:27:13**
